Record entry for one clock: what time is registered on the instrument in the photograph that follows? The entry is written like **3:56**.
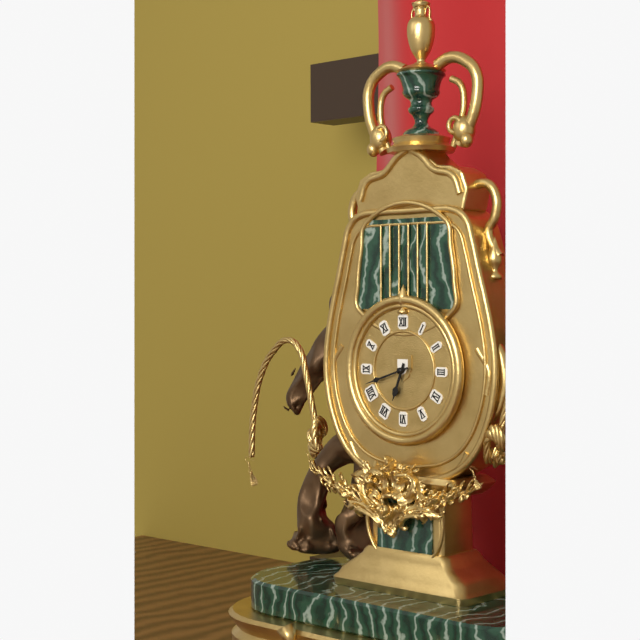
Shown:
**6:42**
